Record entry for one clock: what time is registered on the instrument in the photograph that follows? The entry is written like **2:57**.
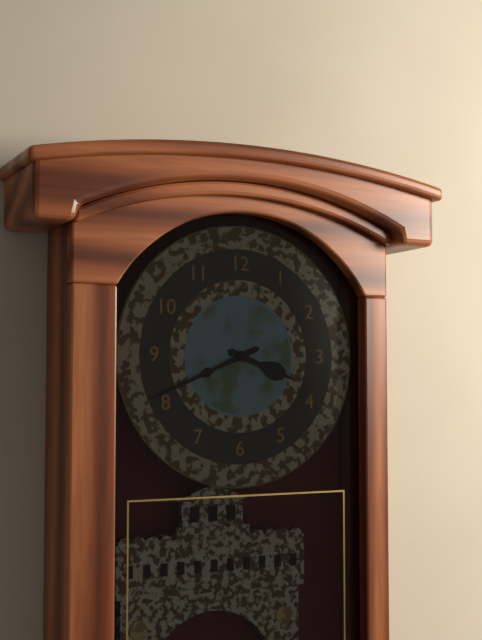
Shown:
**3:41**
